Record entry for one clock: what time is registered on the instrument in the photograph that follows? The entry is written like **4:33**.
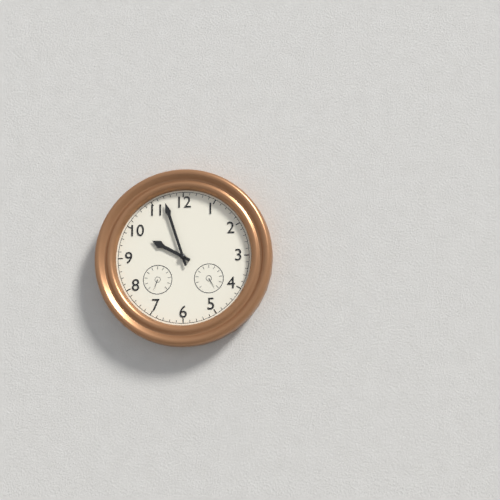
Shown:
**9:57**
